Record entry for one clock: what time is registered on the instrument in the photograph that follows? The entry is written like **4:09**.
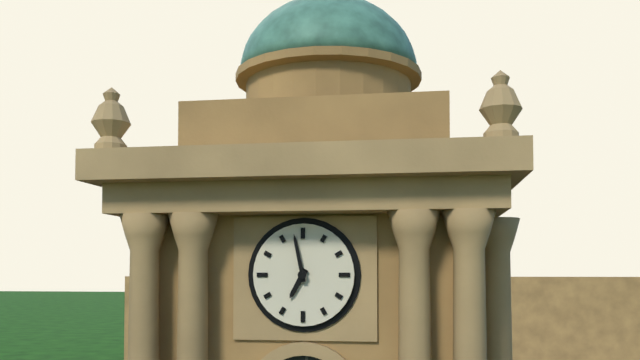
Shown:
**6:58**
